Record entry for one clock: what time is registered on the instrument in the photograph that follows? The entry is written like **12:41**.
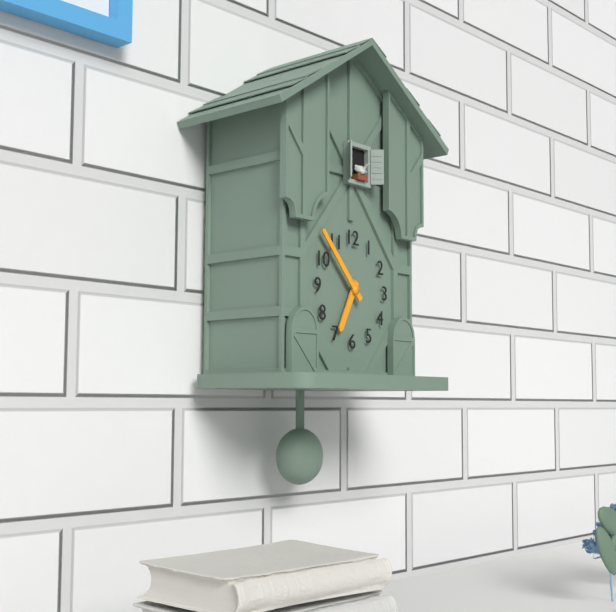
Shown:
**6:53**
